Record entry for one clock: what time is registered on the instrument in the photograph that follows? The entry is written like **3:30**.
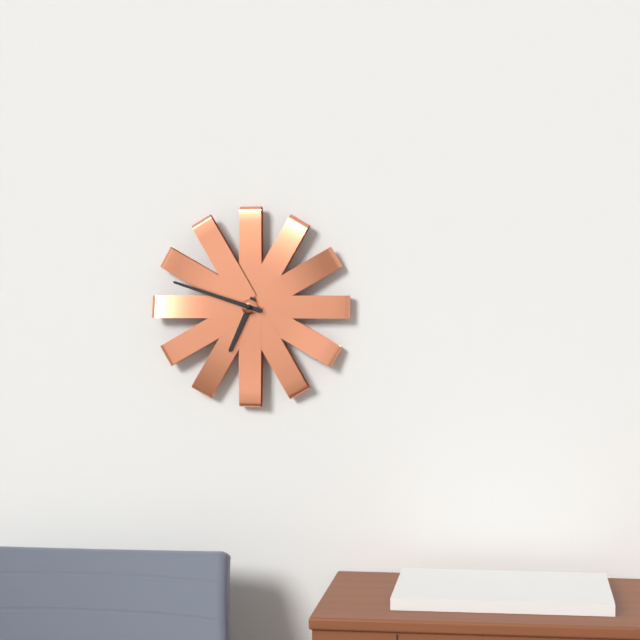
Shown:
**6:48**
